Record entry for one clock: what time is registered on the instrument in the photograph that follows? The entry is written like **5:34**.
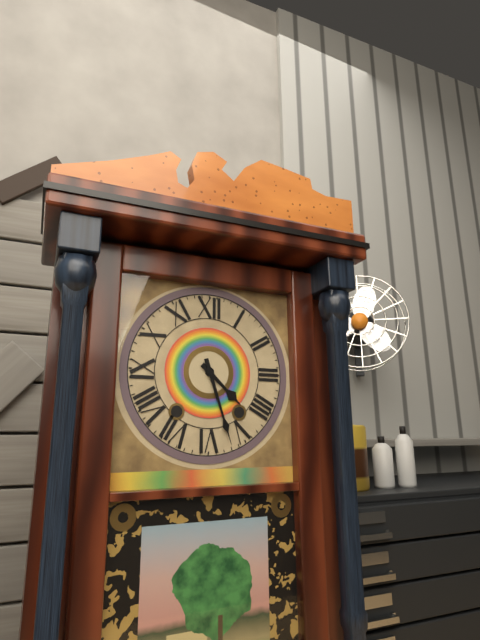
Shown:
**4:27**
